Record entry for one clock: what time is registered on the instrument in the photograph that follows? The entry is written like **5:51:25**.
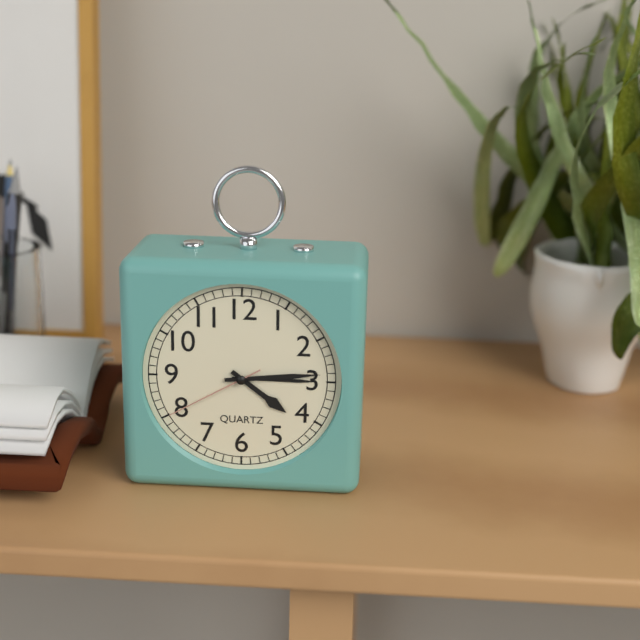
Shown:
**4:14:40**
